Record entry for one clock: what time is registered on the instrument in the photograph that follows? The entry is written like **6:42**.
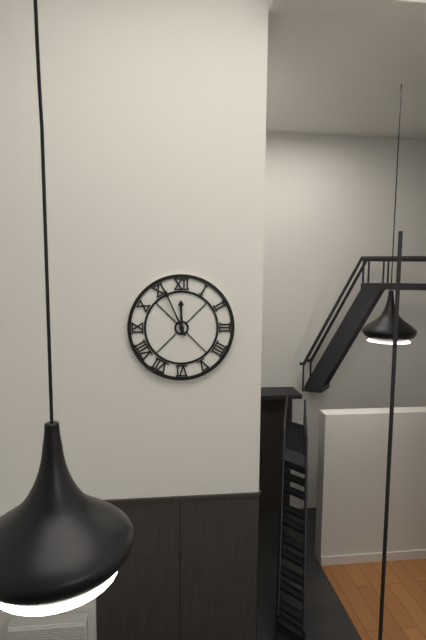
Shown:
**11:56**
